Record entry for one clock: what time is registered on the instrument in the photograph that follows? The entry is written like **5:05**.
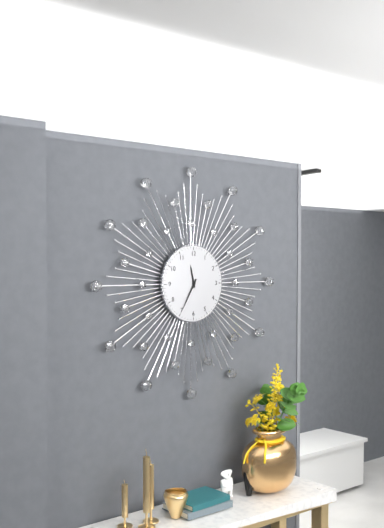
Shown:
**11:35**
